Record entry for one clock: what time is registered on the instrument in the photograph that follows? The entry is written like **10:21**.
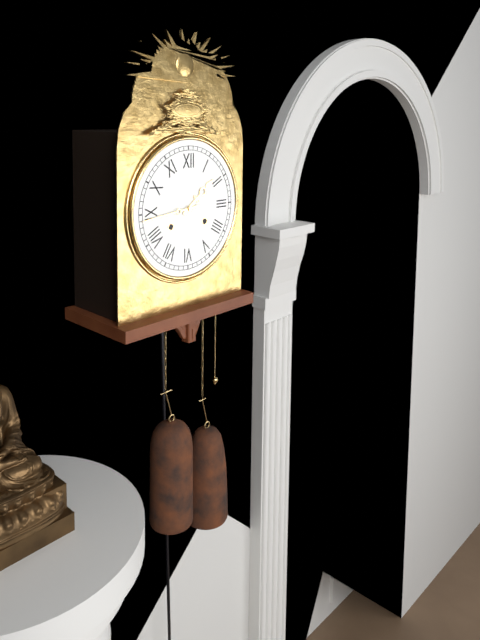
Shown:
**1:44**
